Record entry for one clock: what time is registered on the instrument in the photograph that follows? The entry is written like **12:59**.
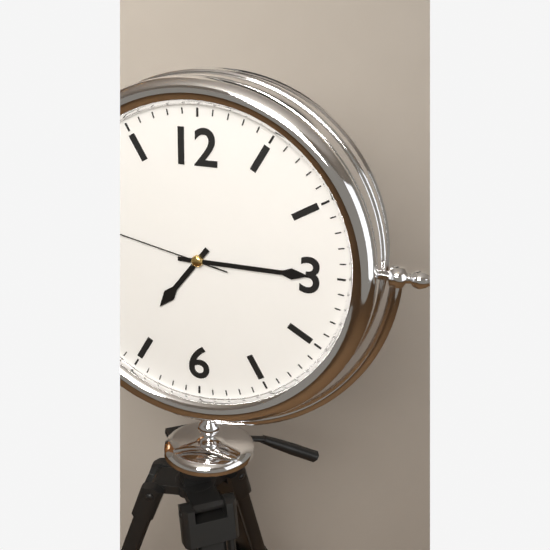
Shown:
**7:15**
